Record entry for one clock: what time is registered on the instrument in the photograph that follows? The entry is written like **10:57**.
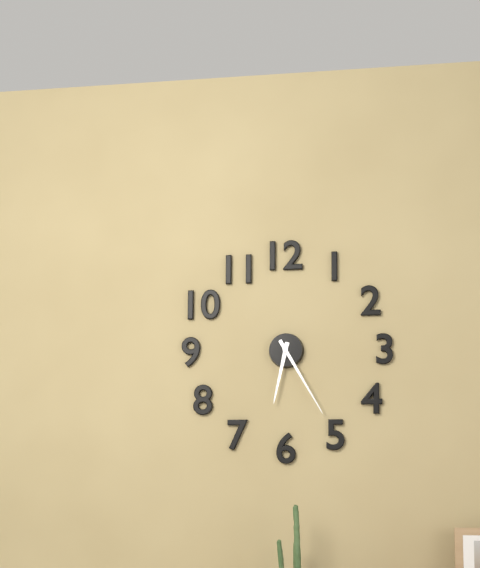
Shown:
**6:25**
